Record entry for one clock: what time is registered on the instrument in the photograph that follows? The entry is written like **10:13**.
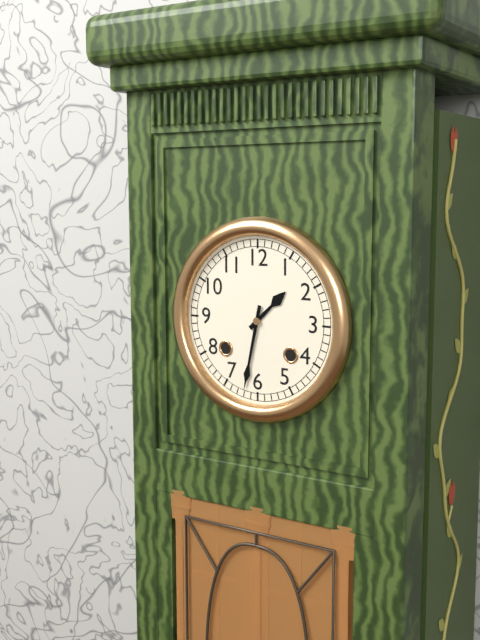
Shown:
**1:32**
